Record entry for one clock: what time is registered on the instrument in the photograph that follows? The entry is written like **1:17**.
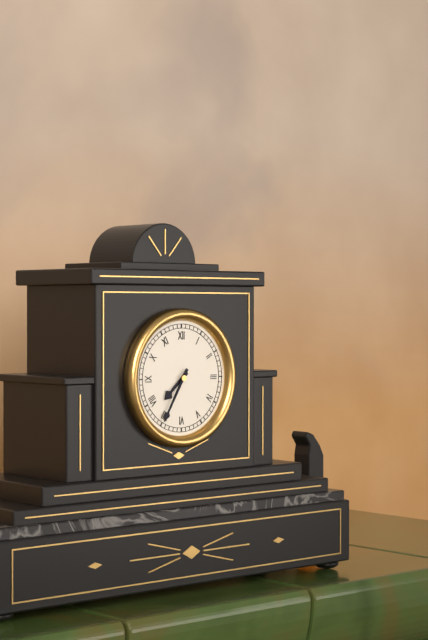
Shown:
**7:35**
